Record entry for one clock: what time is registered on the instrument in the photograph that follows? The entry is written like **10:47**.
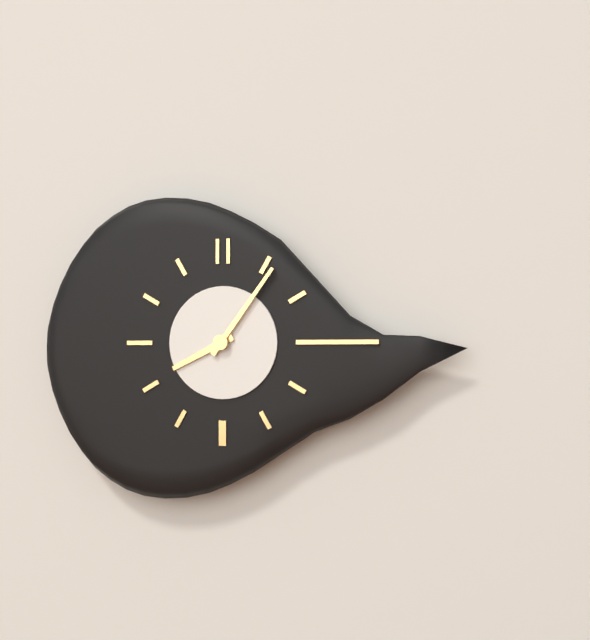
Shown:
**8:06**
